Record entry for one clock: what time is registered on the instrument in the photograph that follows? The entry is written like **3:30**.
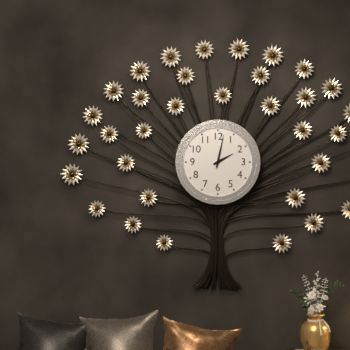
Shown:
**2:02**
